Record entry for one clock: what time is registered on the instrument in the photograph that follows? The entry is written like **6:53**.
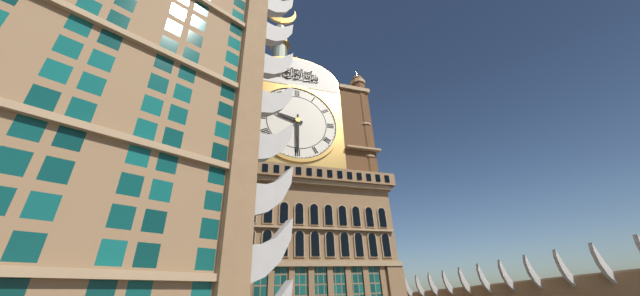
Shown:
**9:30**
